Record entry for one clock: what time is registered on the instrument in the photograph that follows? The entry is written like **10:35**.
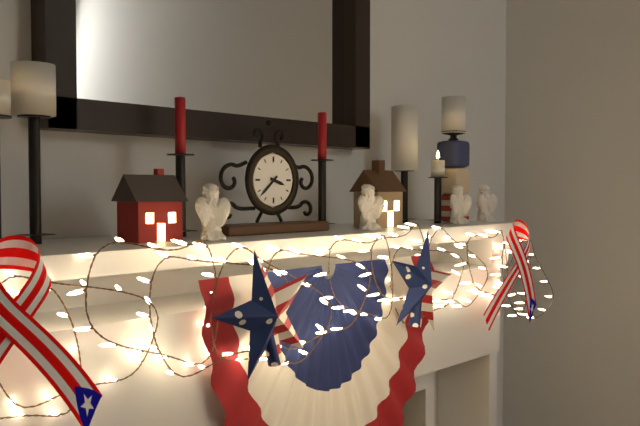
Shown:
**3:38**
